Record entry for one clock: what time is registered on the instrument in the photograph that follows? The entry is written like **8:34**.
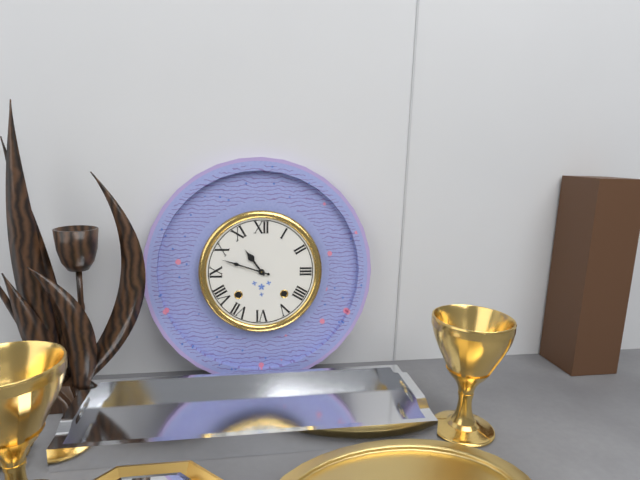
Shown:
**10:48**
